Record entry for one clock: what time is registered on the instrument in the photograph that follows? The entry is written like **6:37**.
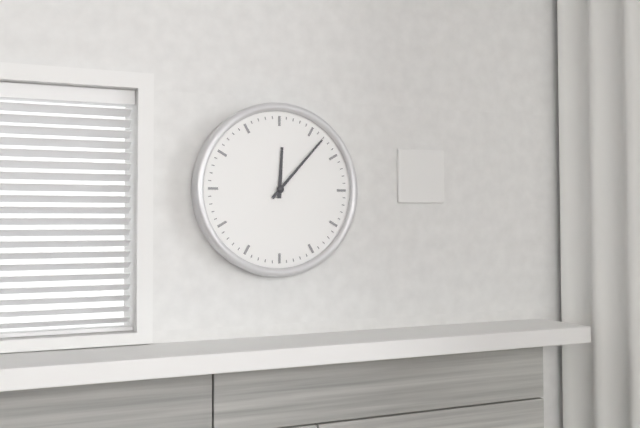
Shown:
**12:07**
